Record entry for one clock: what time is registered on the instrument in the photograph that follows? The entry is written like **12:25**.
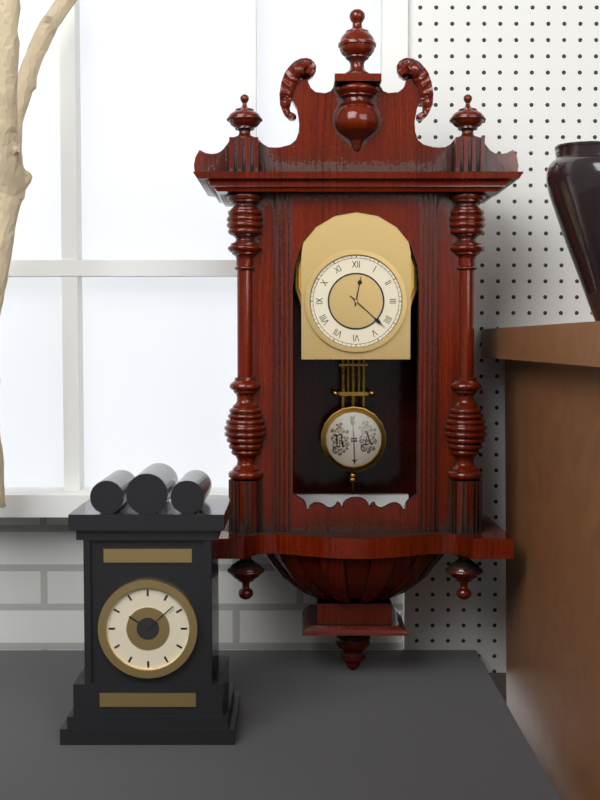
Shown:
**12:22**
